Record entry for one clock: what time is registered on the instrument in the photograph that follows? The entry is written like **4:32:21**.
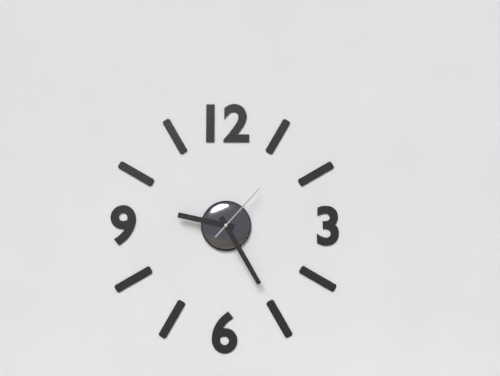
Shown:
**9:25:07**
